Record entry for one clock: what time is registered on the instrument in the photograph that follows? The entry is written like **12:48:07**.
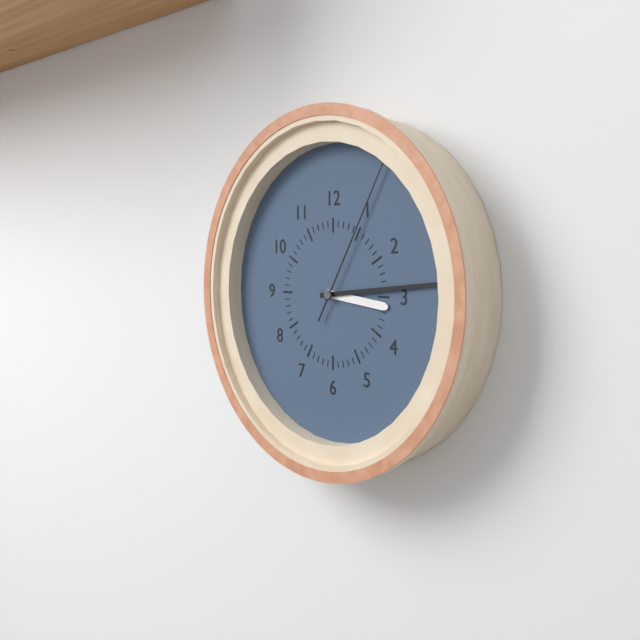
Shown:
**3:14:05**
